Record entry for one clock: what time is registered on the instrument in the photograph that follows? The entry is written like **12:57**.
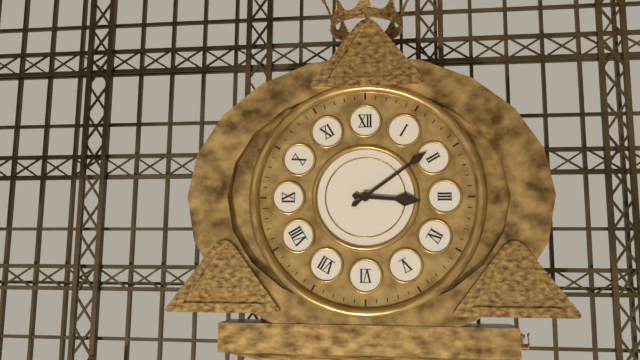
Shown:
**3:09**
